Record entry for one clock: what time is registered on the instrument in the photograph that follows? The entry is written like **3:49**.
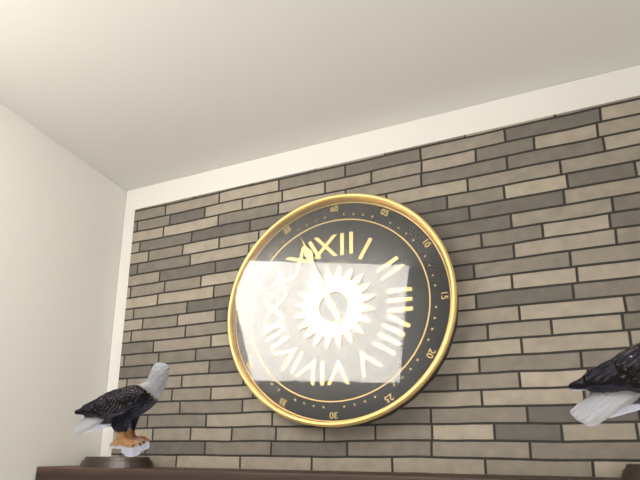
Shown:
**10:56**
